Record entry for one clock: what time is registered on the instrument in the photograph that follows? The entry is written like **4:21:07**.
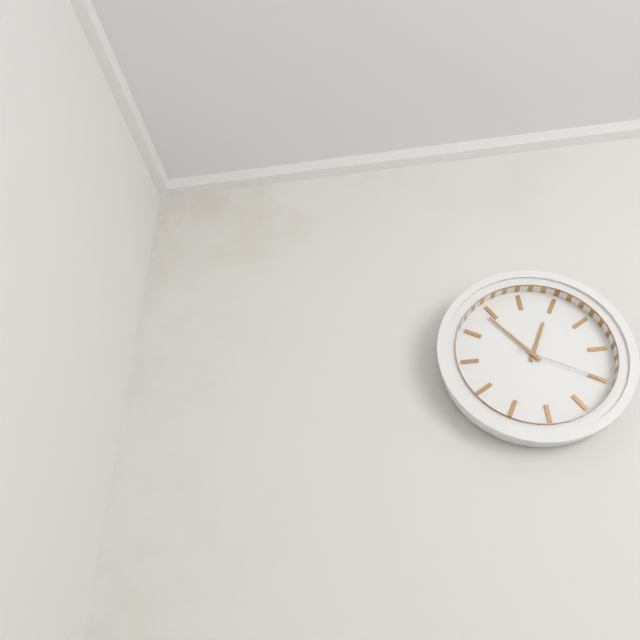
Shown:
**12:54:20**
